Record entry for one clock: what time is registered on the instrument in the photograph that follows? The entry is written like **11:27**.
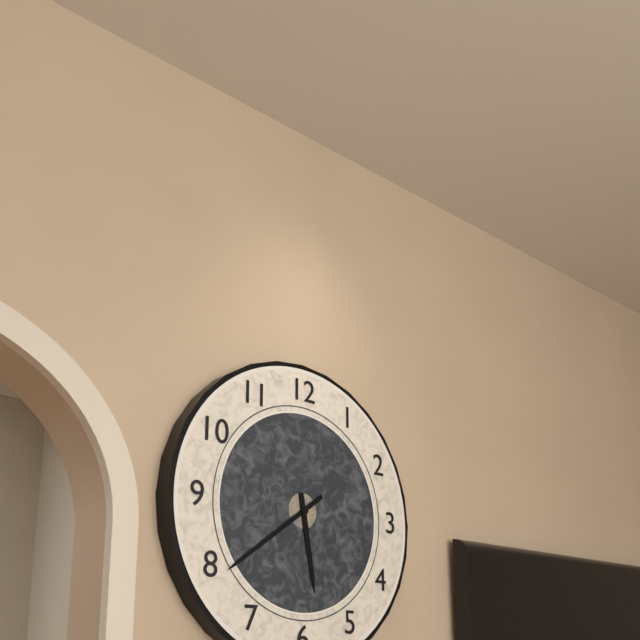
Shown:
**5:39**
